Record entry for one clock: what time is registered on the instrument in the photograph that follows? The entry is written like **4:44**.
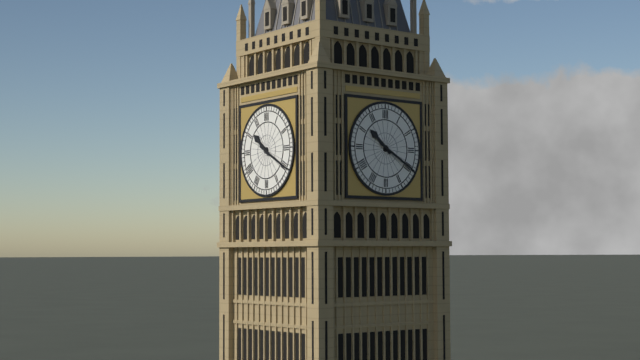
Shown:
**10:20**
